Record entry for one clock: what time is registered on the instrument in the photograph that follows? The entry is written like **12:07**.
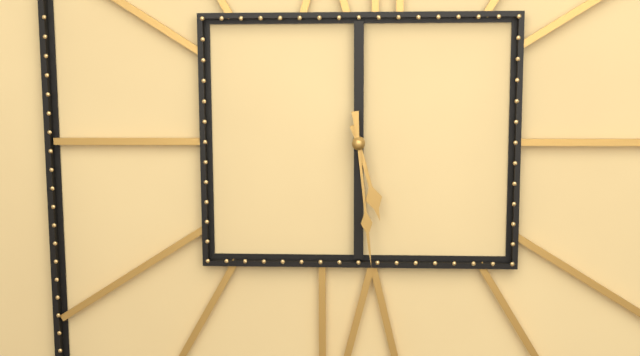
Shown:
**5:29**
